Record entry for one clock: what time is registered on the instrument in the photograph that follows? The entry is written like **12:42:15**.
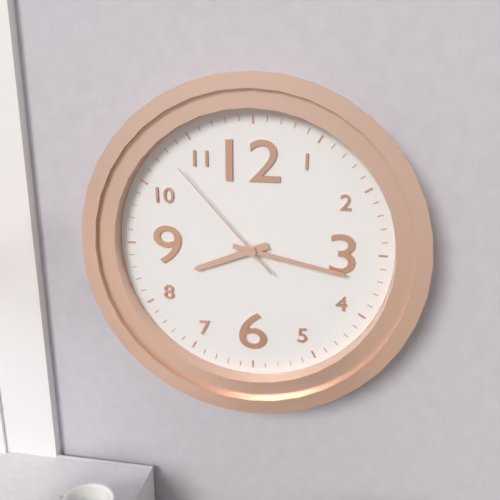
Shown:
**8:17:53**
